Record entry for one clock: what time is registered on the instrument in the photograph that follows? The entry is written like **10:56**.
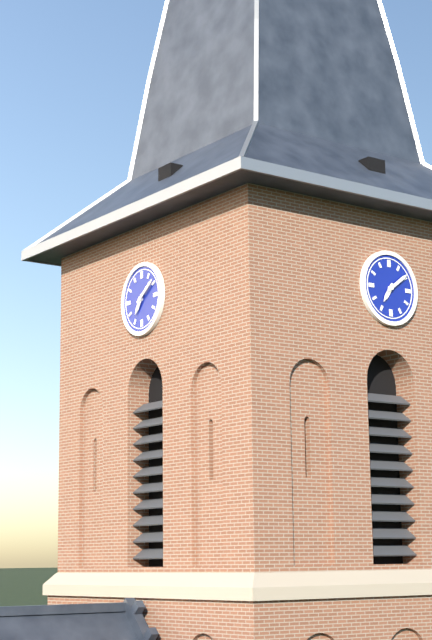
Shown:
**7:09**
